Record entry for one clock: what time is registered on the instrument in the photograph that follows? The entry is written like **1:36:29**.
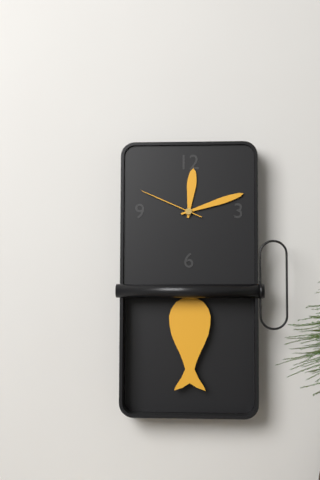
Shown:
**12:12:49**
